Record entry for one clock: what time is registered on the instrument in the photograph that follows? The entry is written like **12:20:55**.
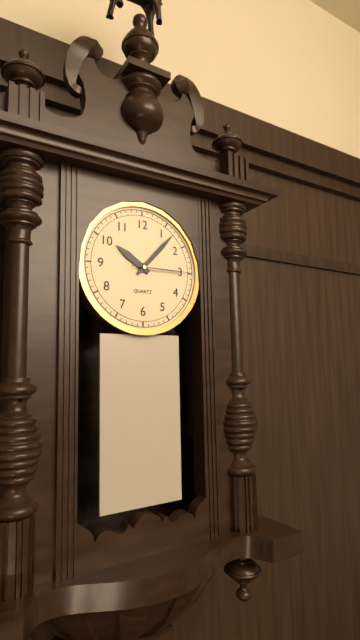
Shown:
**10:07:15**
